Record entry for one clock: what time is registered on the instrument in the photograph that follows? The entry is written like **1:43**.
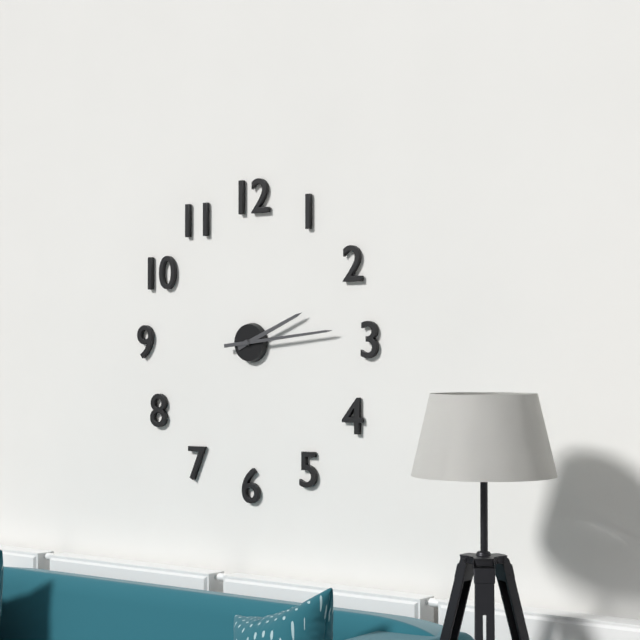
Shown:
**2:14**
